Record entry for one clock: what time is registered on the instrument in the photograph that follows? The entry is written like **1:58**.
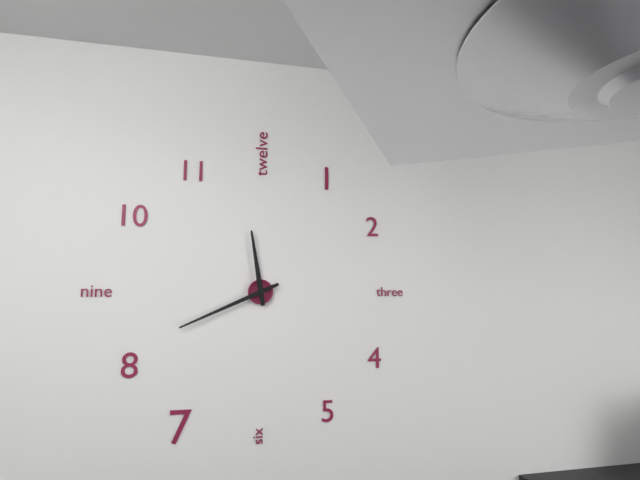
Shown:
**11:41**
